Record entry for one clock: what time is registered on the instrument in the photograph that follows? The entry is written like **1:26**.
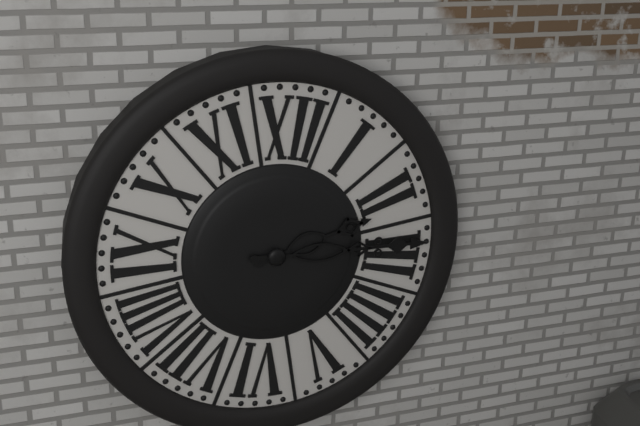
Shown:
**2:14**
